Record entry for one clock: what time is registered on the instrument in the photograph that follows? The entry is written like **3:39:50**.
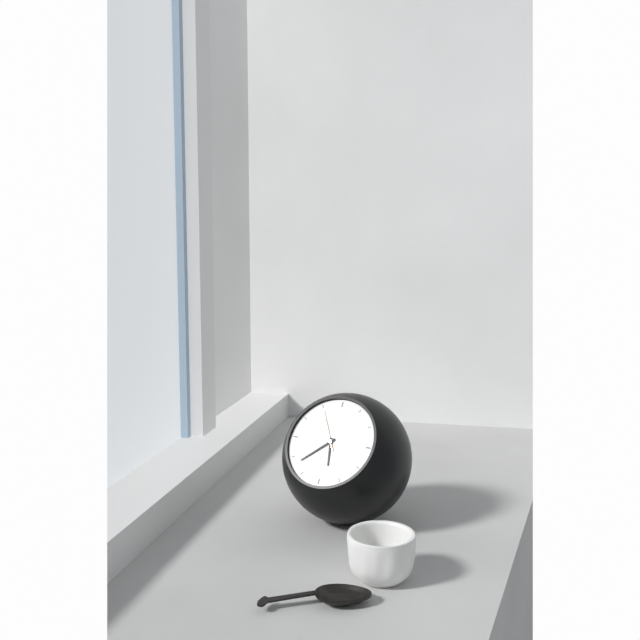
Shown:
**5:38:55**
